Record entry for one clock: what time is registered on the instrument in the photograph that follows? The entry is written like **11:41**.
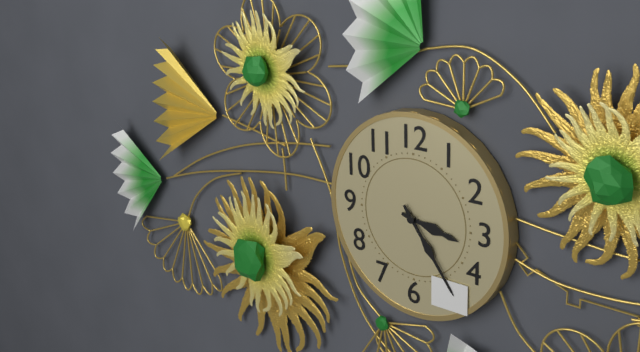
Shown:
**3:24**
